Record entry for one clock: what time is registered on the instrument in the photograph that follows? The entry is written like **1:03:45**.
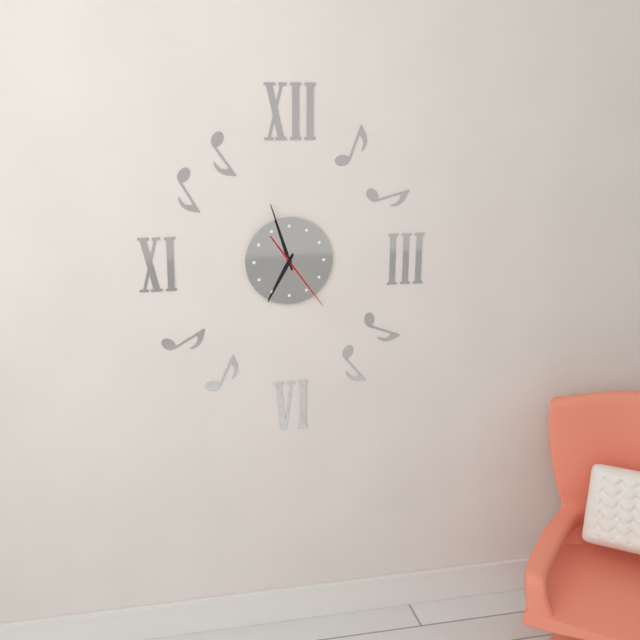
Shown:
**6:57:24**
